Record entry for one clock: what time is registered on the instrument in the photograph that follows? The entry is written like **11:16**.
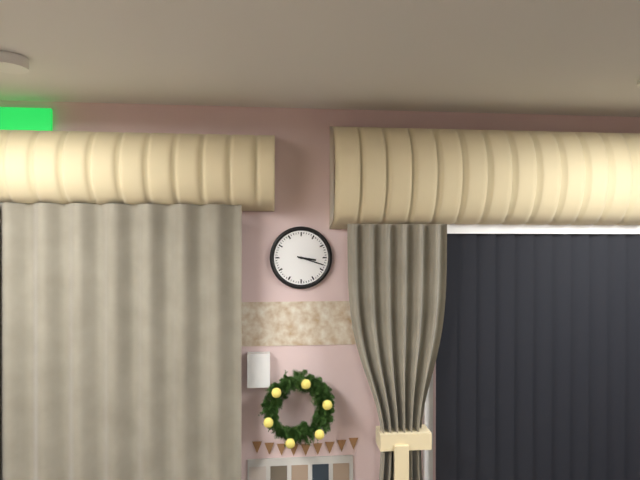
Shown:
**3:18**
